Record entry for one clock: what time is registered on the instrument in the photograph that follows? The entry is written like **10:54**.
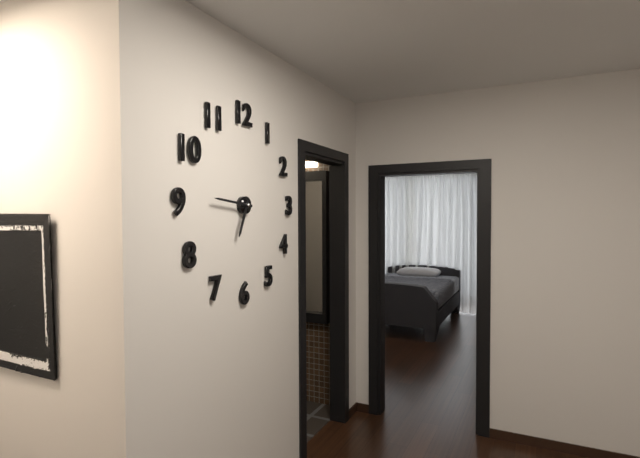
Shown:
**6:46**
